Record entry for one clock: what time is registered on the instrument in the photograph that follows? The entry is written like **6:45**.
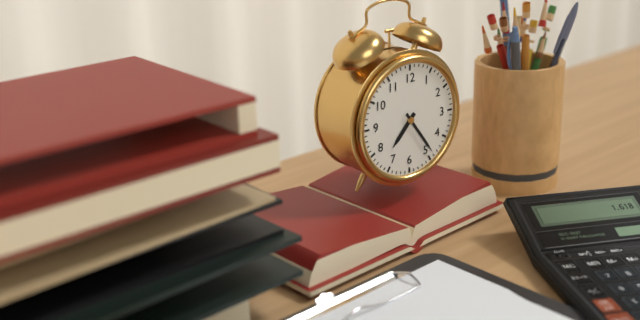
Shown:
**7:24**
